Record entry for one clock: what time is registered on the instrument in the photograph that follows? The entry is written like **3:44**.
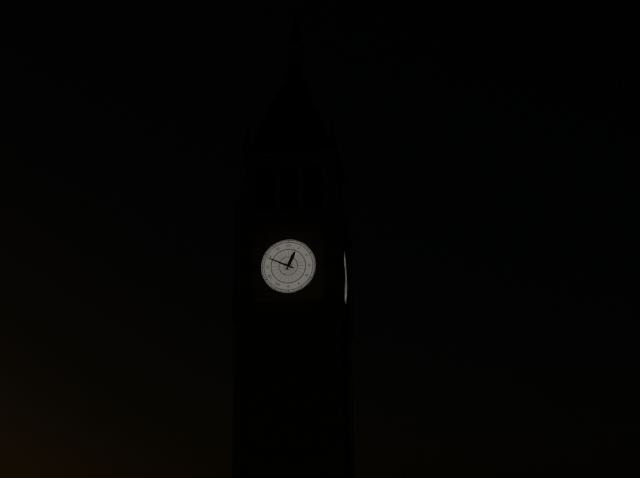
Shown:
**12:49**
